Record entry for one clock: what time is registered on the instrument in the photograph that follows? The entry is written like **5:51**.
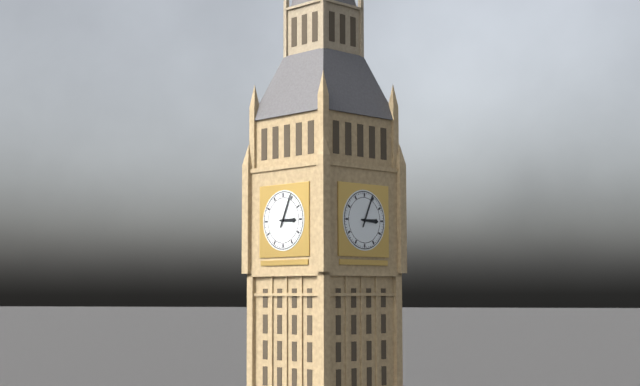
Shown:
**3:04**
